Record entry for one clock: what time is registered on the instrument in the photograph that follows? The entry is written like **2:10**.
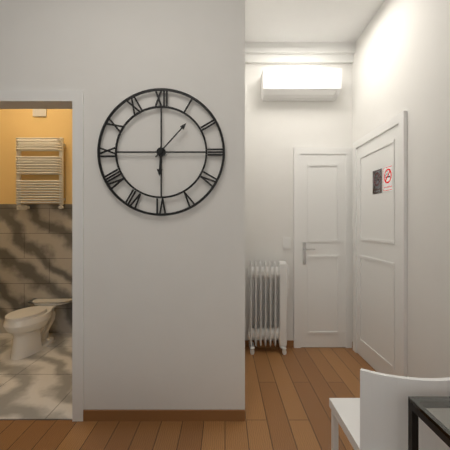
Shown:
**6:07**
